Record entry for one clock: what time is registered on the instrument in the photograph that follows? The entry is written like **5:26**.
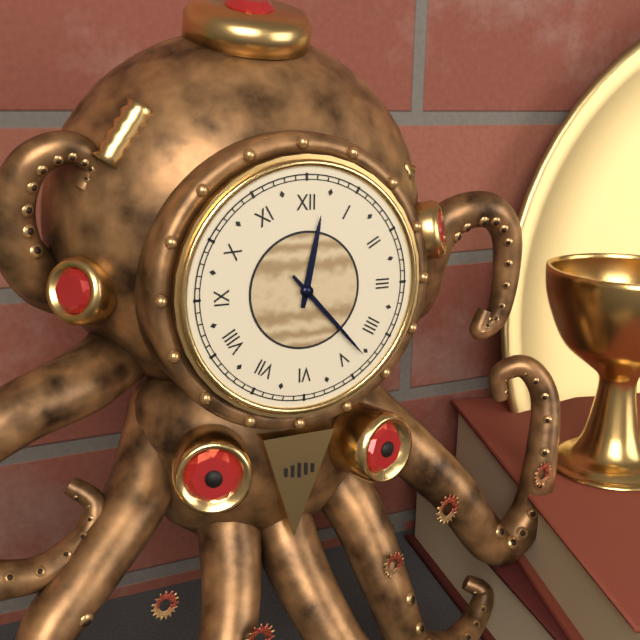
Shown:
**12:23**
